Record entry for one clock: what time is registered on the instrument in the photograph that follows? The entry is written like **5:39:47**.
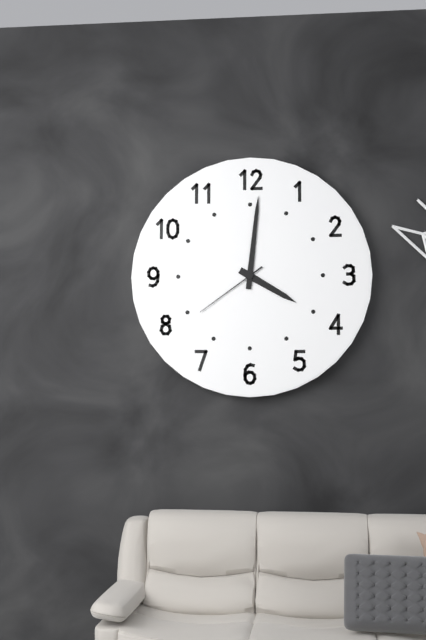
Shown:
**4:01:39**
